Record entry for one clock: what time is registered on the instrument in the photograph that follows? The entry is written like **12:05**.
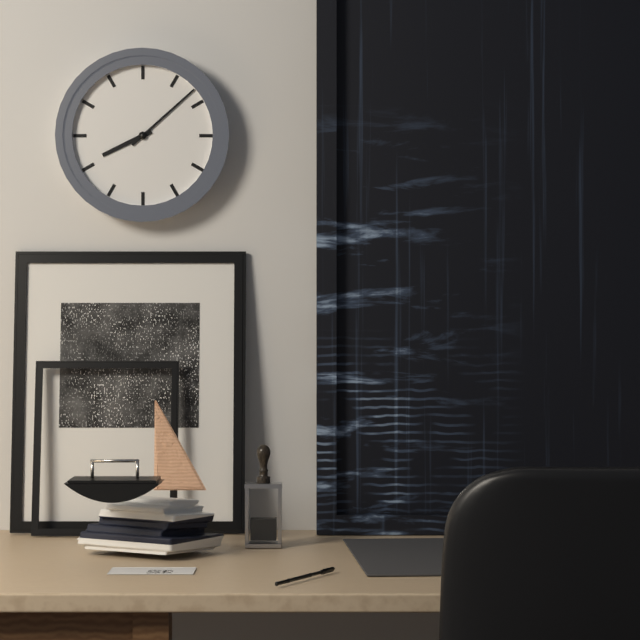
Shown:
**8:08**
